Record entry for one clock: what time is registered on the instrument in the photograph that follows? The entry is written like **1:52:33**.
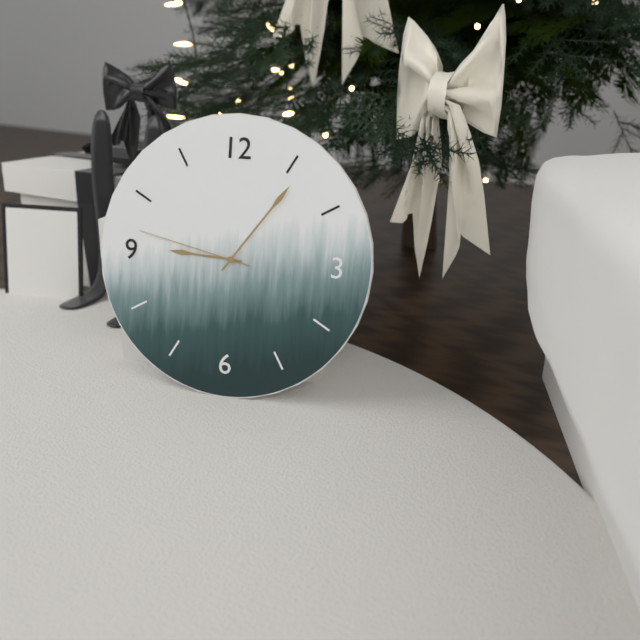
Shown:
**9:06:47**
